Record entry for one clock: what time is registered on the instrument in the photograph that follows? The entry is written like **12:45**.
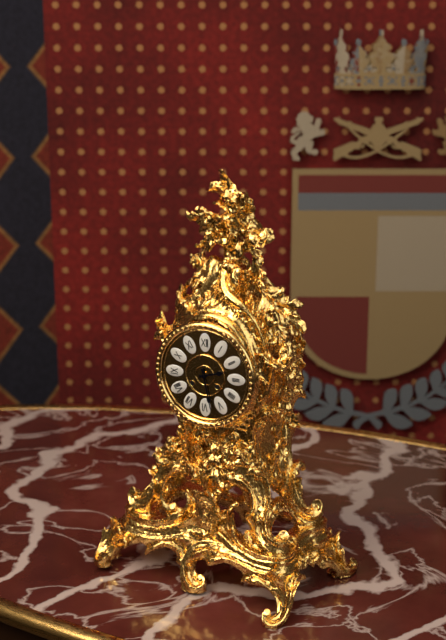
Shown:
**2:28**
